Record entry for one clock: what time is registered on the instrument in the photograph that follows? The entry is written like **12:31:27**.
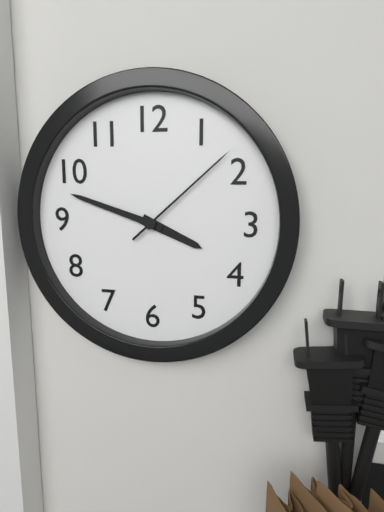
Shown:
**3:48:08**
